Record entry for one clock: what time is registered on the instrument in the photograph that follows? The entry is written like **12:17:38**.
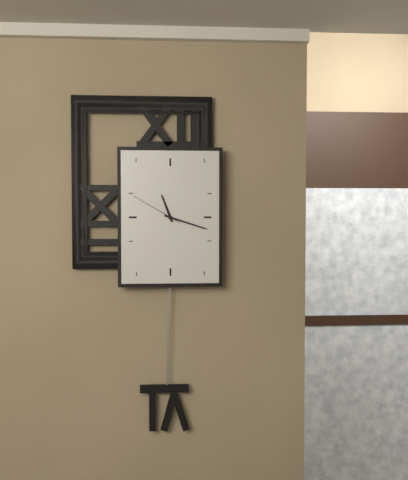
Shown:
**11:18:50**
